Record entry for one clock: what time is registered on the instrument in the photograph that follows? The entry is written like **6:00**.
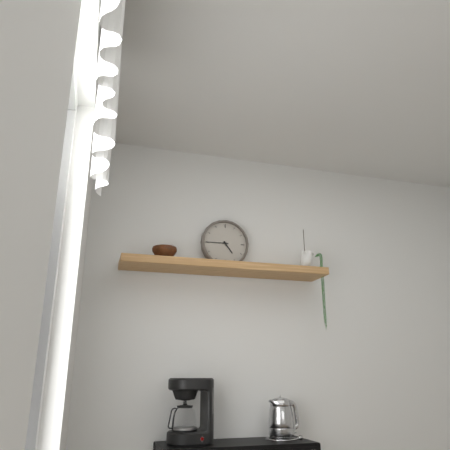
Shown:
**4:45**
